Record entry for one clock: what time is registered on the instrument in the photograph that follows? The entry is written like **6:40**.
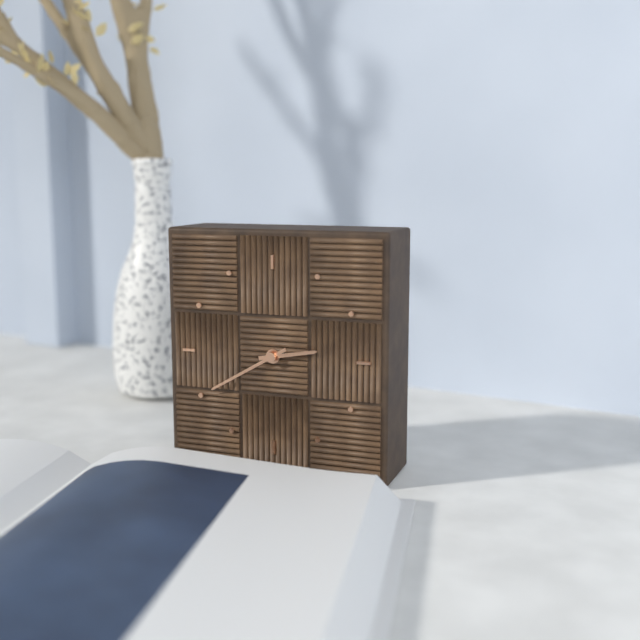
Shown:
**2:40**
